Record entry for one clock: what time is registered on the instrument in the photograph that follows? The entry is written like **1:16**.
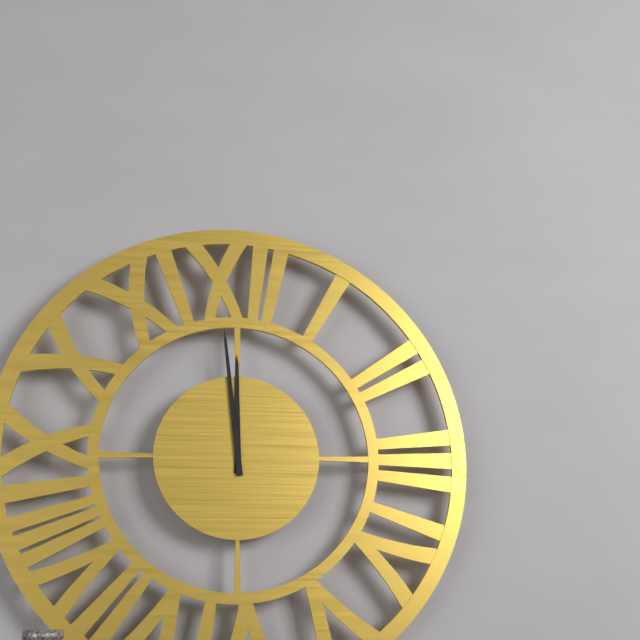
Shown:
**11:59**
